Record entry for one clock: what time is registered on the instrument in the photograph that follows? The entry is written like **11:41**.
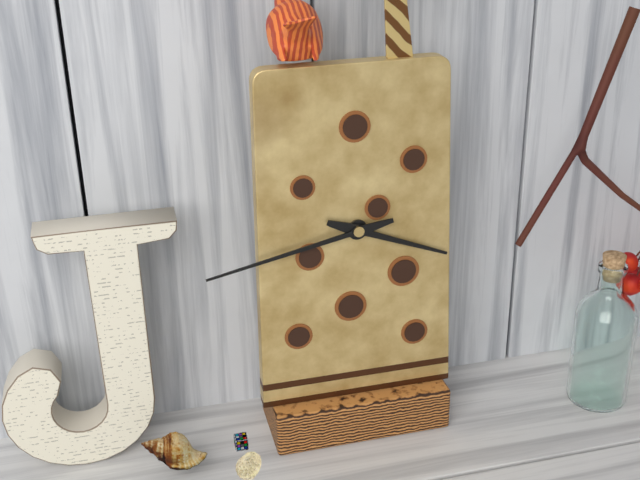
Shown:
**3:43**
